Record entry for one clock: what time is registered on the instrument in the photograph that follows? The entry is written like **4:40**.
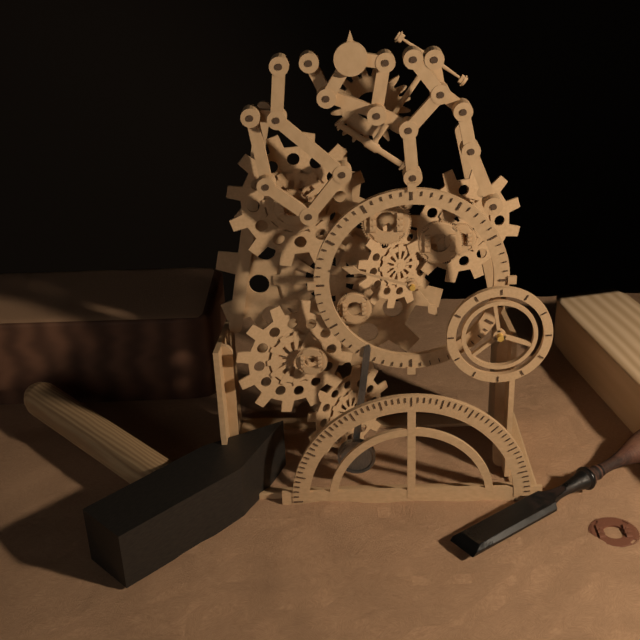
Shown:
**4:48**
